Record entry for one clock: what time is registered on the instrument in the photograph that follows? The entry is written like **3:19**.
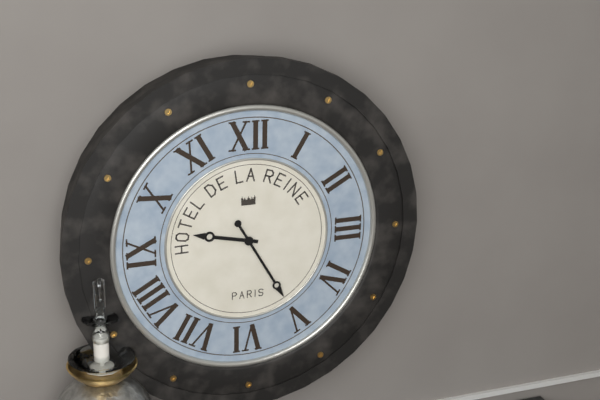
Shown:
**9:25**
